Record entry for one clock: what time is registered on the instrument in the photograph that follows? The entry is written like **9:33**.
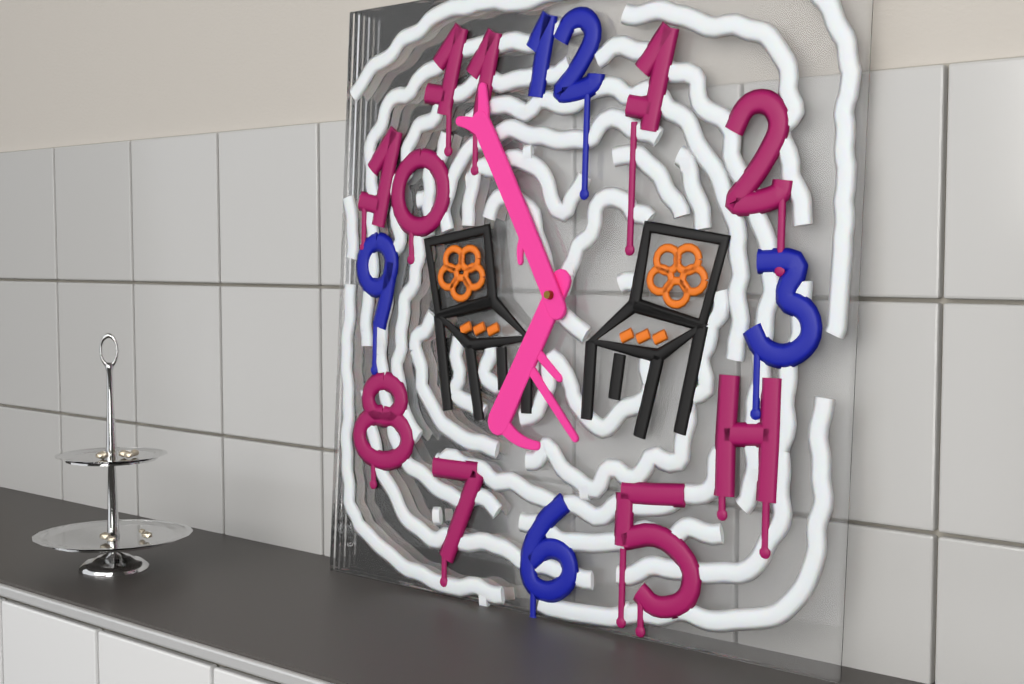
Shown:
**6:55**
